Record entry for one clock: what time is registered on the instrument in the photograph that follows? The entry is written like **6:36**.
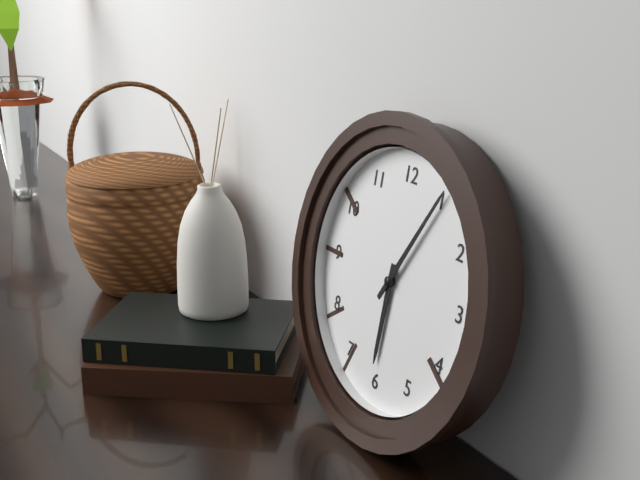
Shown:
**6:05**
